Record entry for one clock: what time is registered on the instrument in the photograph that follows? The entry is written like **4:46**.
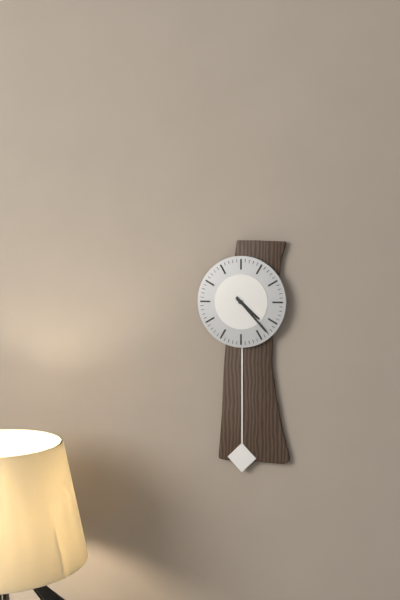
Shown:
**4:23**
